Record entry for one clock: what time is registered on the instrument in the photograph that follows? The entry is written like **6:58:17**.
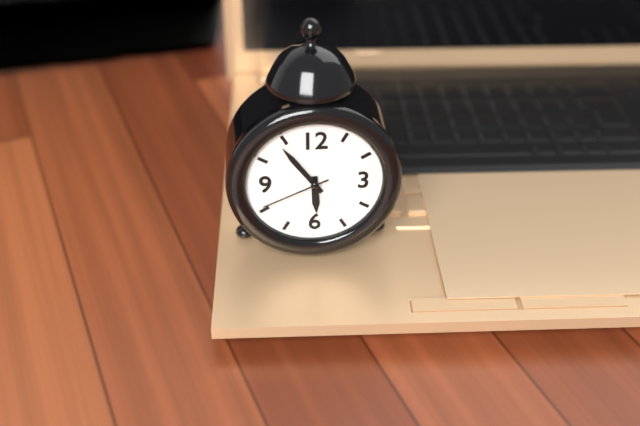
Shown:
**5:54:41**
